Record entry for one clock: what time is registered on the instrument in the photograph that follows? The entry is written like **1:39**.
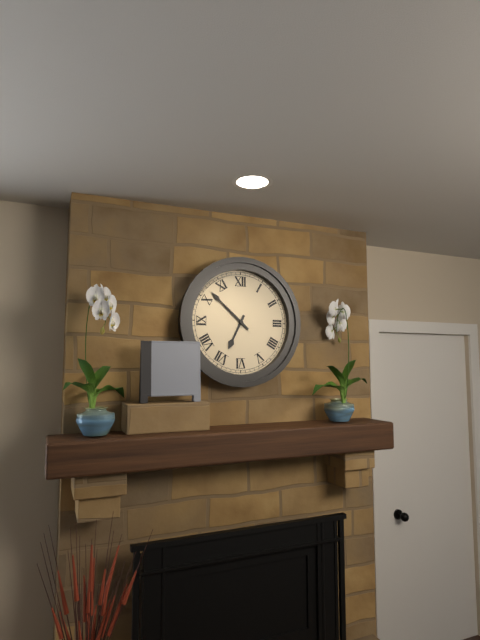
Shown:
**6:52**
